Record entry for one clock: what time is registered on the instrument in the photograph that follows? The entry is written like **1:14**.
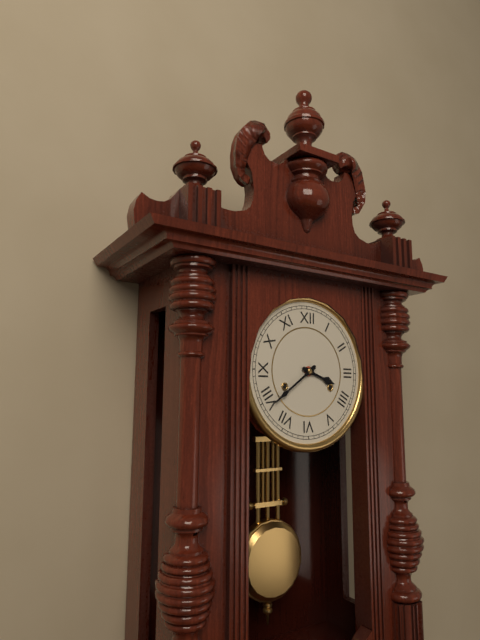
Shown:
**3:39**
